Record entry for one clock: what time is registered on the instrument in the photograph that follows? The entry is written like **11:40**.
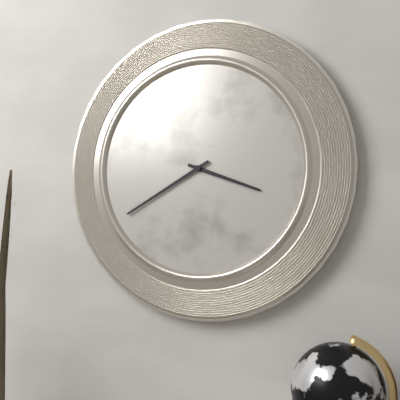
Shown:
**3:40**
